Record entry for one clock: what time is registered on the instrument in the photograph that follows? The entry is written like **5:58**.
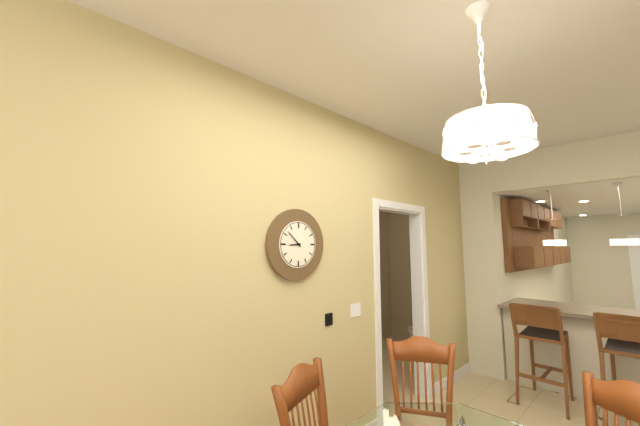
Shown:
**8:52**
